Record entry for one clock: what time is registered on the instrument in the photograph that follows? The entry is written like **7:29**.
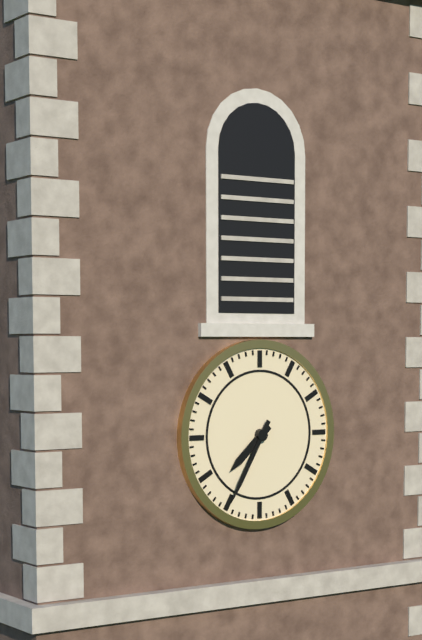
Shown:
**7:35**
